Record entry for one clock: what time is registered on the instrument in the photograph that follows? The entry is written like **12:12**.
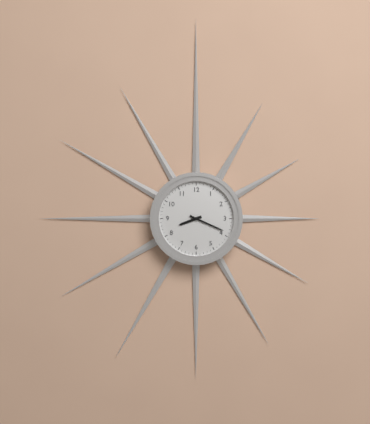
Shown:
**8:19**
